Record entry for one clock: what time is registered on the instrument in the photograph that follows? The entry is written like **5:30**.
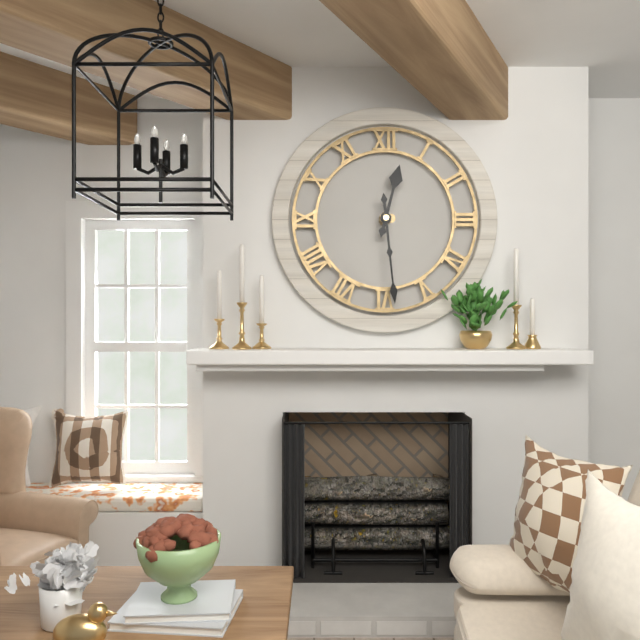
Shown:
**12:29**
